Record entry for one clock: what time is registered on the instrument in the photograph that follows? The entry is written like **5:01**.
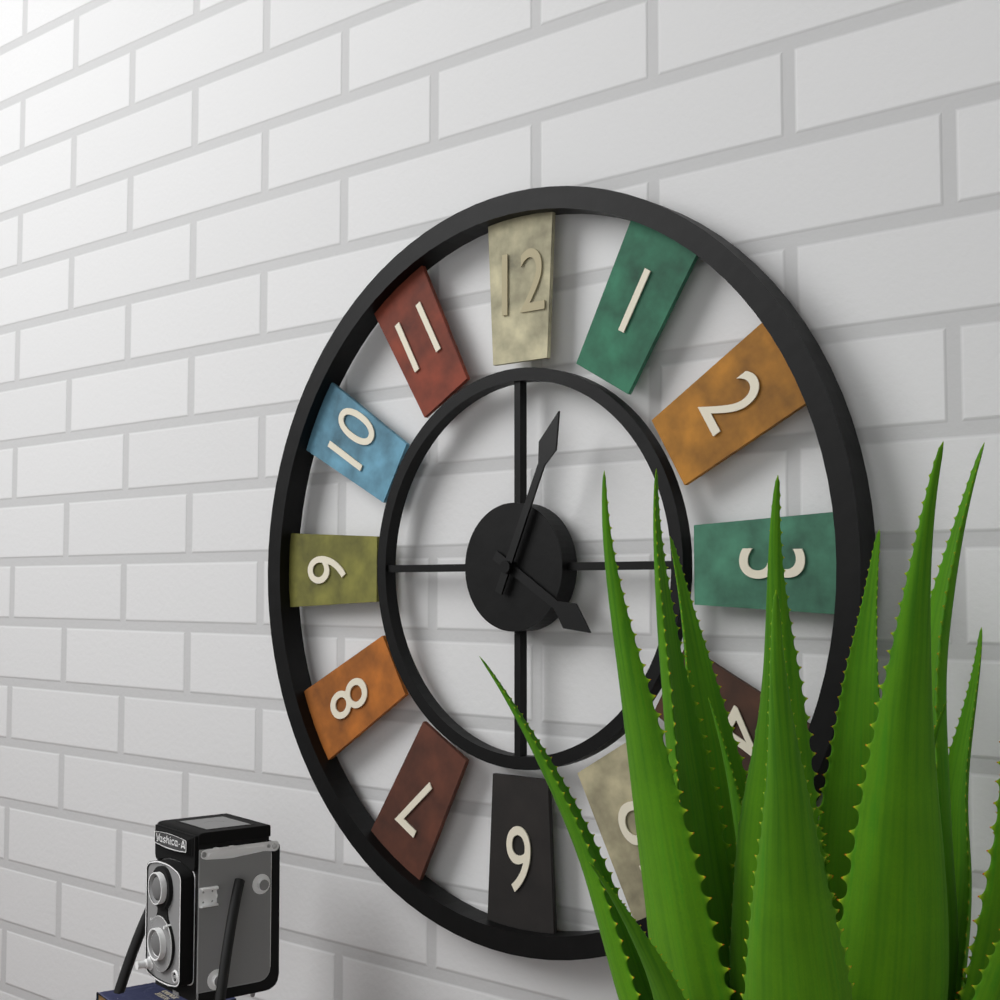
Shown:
**4:04**
